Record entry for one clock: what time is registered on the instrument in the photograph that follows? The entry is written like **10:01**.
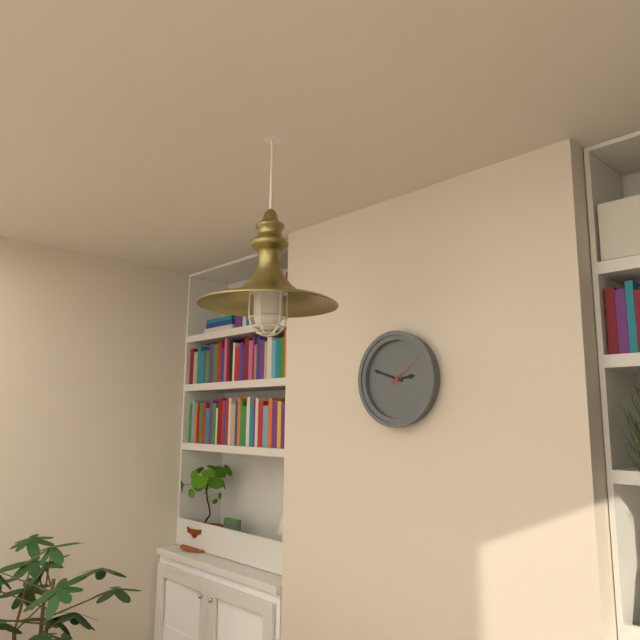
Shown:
**2:48**
